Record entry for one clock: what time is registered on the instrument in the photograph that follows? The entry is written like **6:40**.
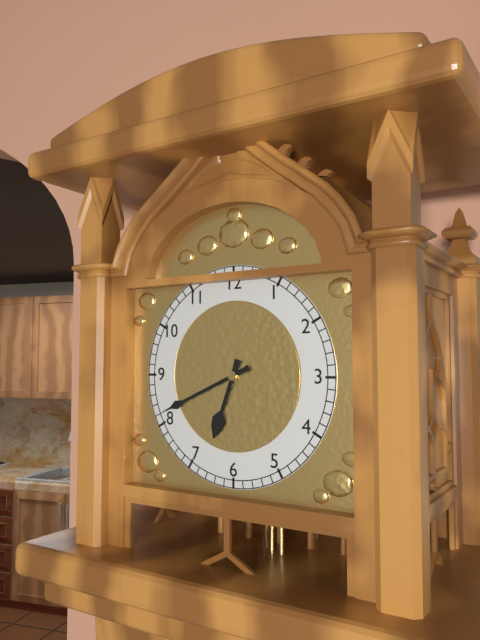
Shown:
**6:41**
